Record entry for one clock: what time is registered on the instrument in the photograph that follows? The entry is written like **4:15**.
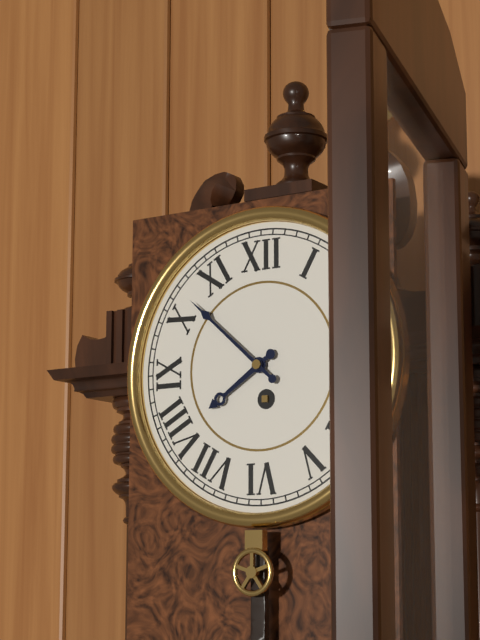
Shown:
**7:52**
